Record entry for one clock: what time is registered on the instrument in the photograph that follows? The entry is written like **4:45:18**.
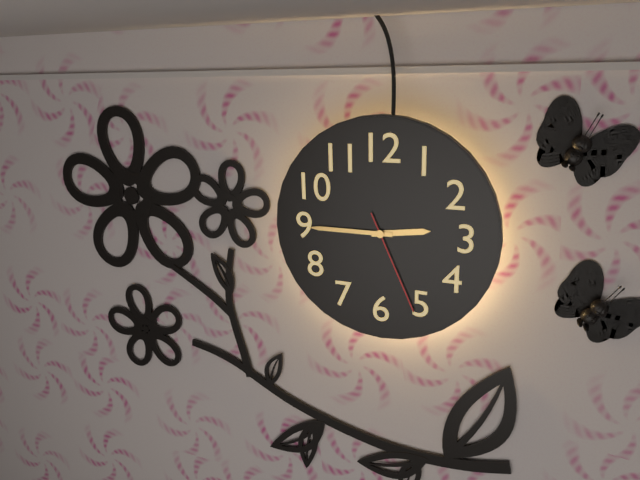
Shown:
**2:45:26**
